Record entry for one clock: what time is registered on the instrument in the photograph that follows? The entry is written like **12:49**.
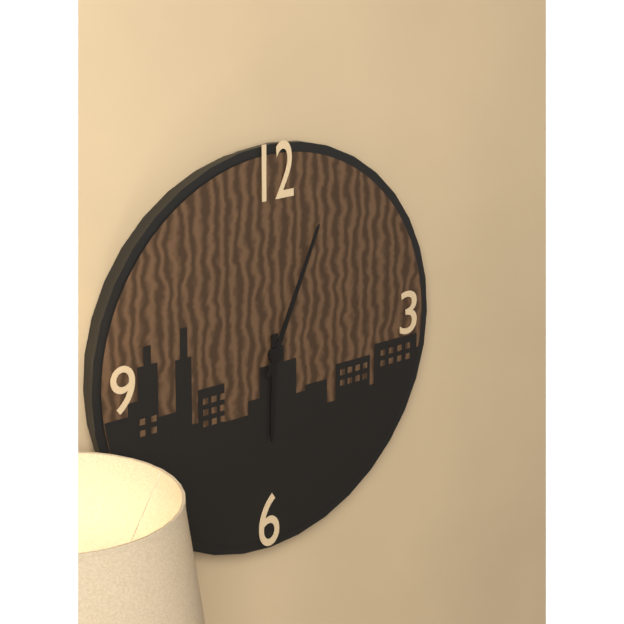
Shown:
**6:04**
